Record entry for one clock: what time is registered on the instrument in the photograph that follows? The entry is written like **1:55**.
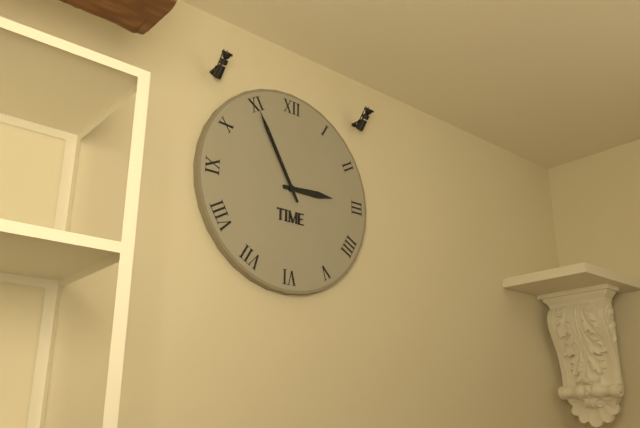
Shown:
**2:55**
